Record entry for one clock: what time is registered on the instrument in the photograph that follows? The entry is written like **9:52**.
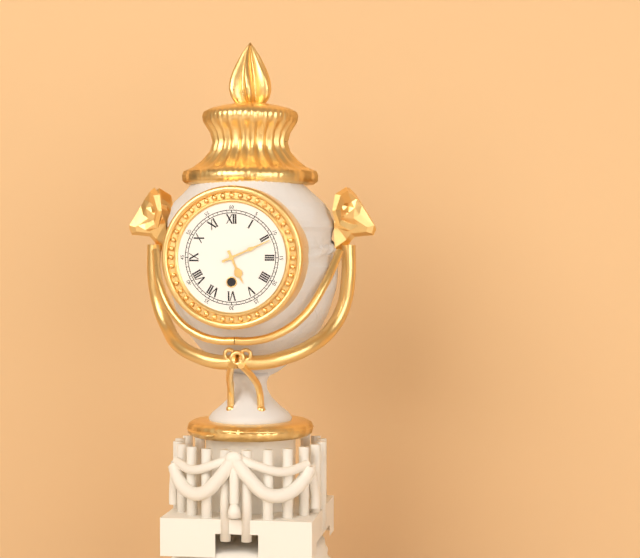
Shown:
**5:11**
